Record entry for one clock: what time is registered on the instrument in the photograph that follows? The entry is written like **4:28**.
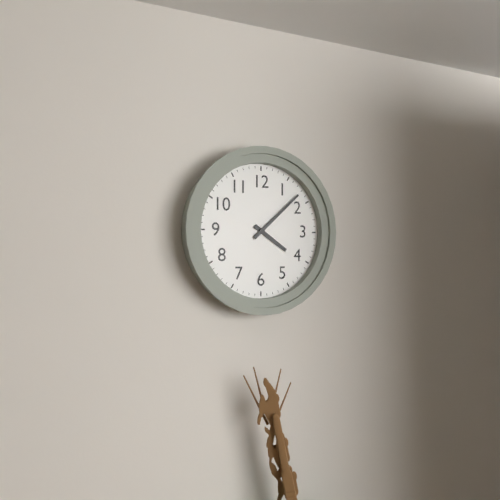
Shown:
**4:08**
